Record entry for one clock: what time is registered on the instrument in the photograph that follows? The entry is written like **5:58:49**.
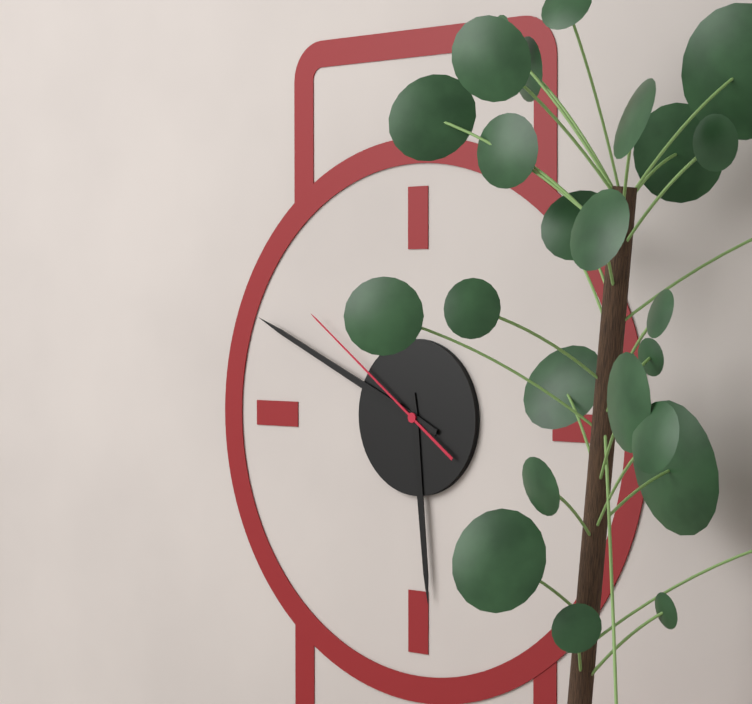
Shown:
**5:49:51**
